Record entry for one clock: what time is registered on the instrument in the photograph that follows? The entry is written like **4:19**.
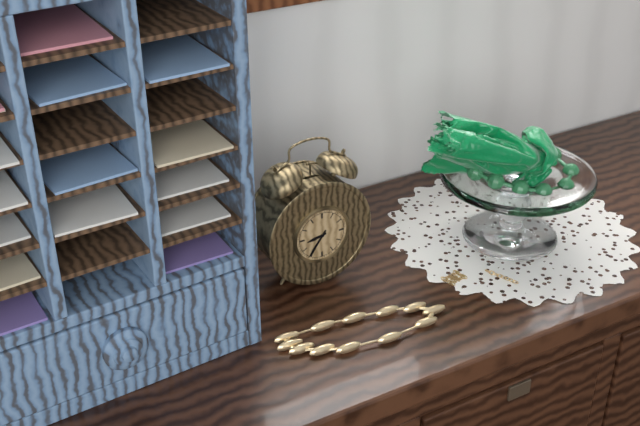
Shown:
**8:36**
